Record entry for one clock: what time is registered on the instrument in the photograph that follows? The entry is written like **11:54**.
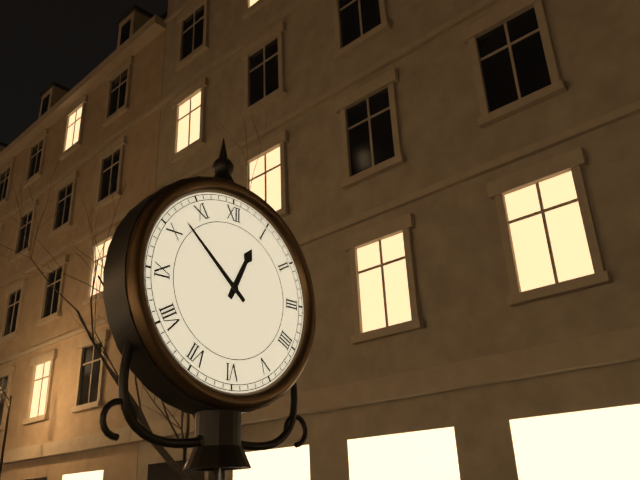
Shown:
**12:52**
